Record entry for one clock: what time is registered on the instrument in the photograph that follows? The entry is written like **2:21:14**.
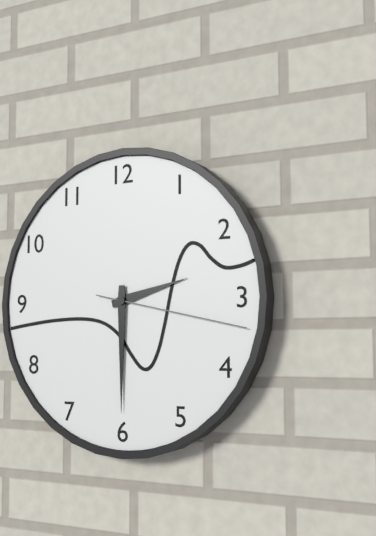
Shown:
**2:30:17**
